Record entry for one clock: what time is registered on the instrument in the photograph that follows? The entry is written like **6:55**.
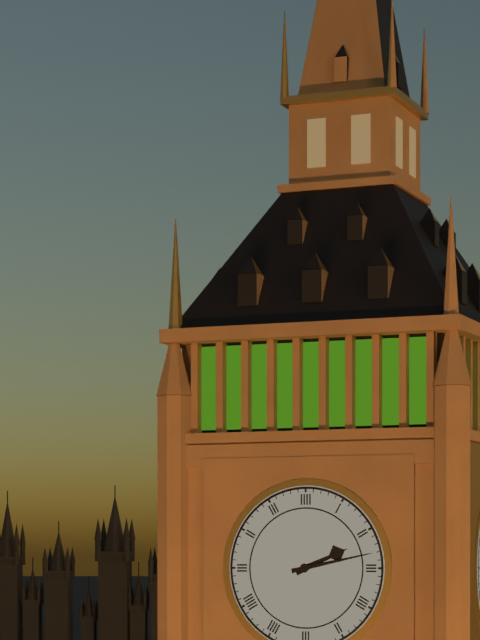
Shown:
**2:13**
